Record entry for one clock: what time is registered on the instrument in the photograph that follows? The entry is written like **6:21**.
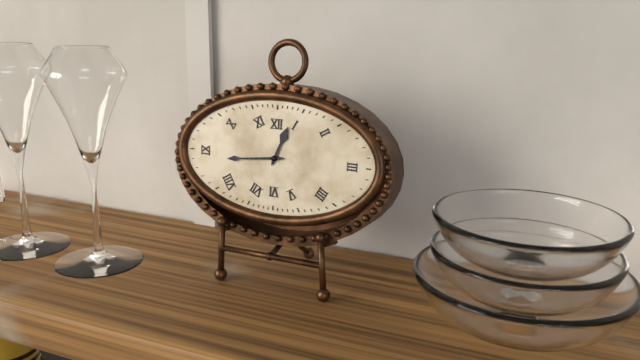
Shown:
**12:44**
